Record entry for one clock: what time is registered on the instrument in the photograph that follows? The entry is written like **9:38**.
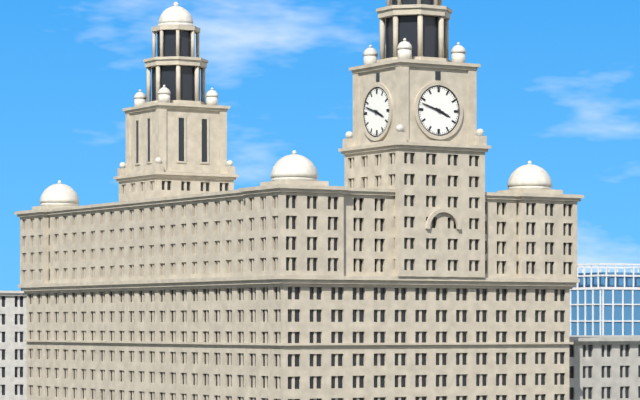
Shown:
**3:48**
